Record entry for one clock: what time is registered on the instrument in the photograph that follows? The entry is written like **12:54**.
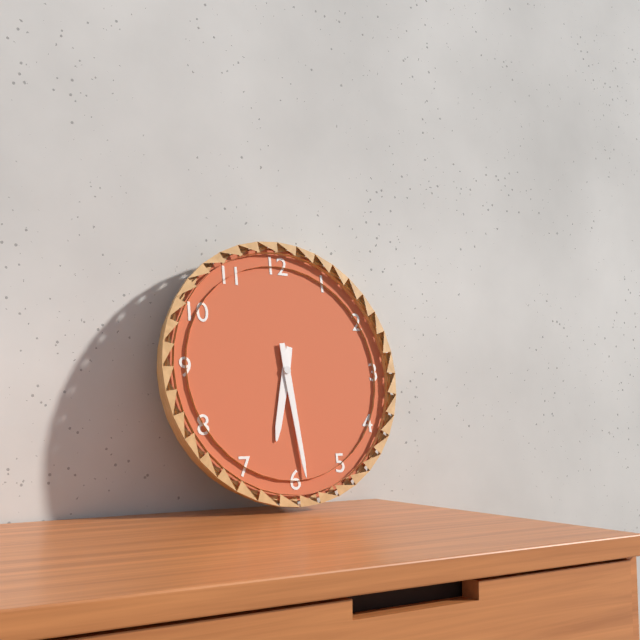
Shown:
**6:29**
